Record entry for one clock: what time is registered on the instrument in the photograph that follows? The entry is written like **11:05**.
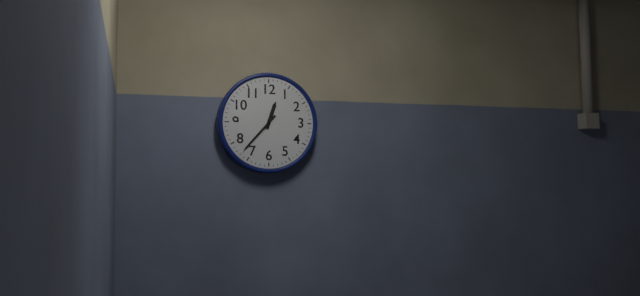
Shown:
**12:37**
